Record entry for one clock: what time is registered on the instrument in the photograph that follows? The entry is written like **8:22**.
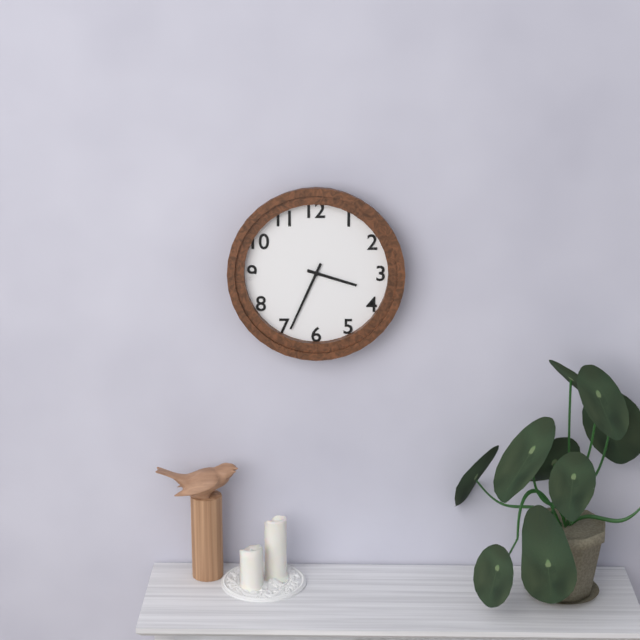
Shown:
**3:34**
